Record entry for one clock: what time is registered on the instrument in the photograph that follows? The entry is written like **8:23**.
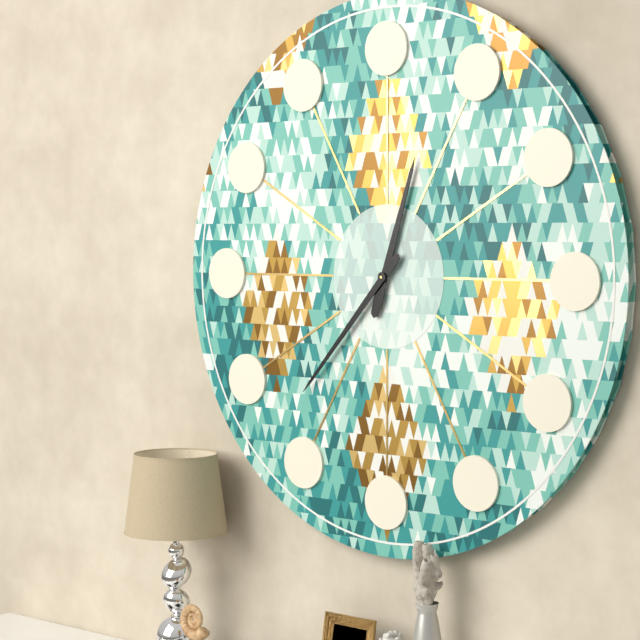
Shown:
**12:37**
